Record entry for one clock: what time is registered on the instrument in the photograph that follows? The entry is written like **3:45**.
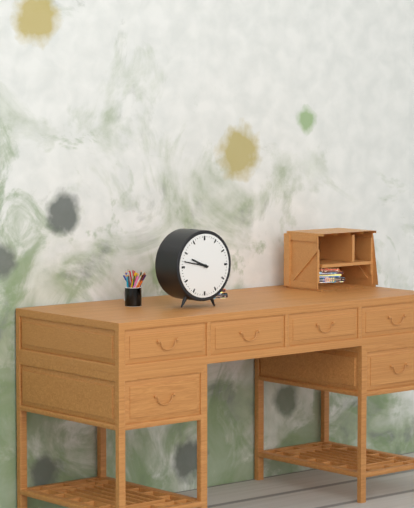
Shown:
**9:47**
